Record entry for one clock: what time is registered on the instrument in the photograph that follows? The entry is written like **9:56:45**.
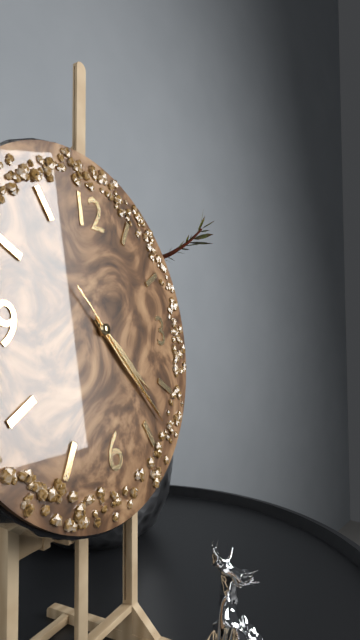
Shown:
**4:23:23**
